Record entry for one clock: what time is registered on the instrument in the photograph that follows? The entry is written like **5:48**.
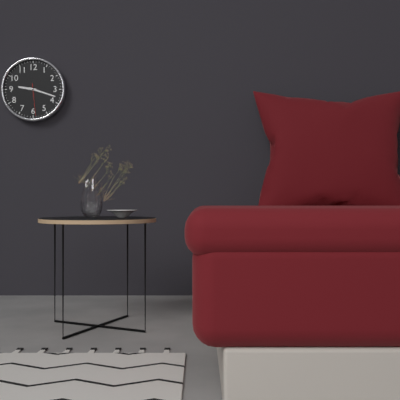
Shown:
**9:18**
